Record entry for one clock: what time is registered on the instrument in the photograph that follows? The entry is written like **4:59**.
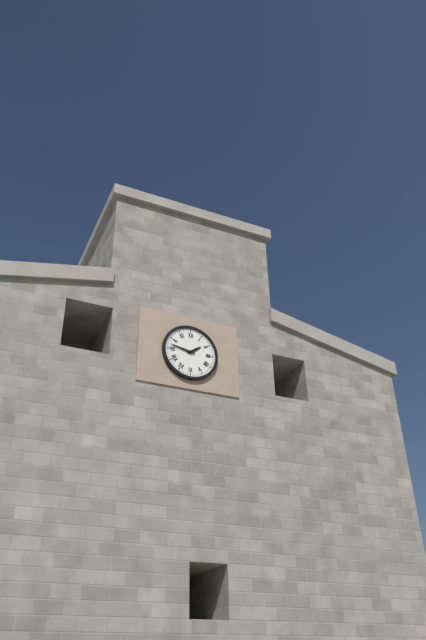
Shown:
**1:47**
